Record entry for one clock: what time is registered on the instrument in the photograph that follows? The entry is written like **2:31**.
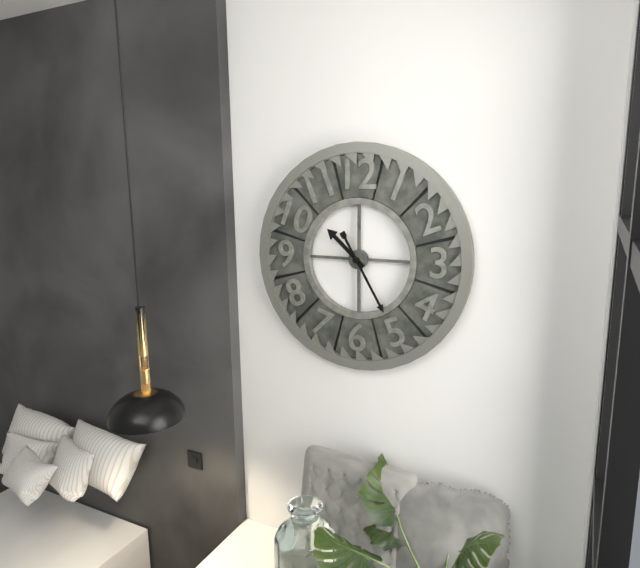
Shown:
**10:25**
